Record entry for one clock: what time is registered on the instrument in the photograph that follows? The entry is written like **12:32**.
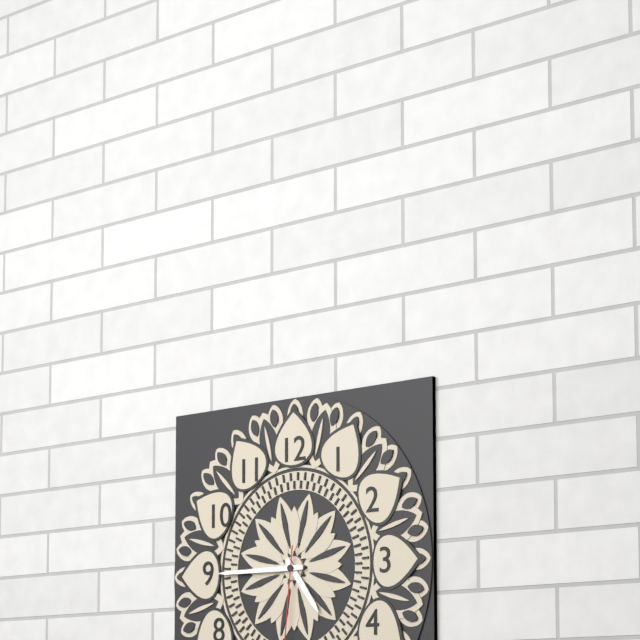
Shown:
**4:45**
